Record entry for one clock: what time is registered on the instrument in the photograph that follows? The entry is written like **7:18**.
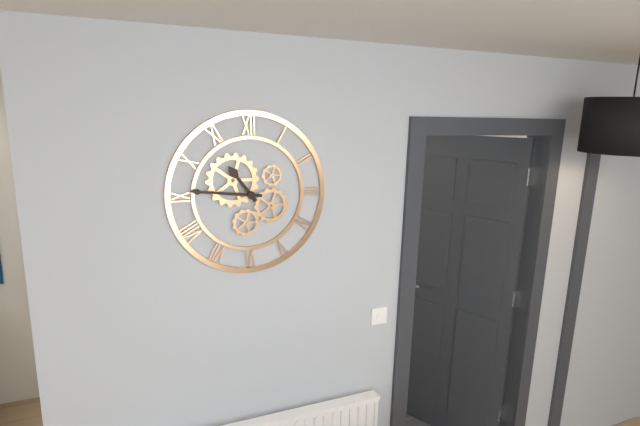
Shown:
**10:46**
